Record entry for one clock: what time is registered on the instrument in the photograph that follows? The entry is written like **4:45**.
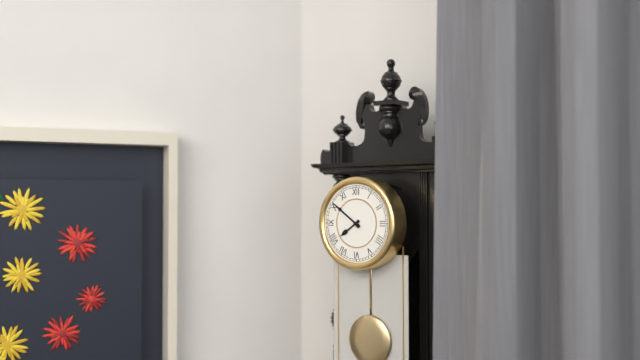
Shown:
**7:51**
